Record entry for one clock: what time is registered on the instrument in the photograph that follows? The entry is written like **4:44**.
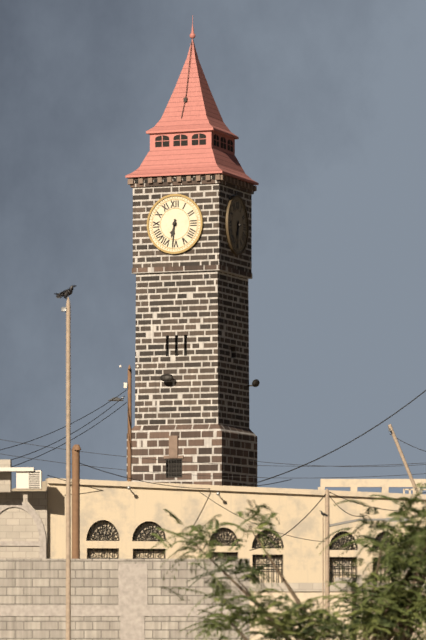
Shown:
**6:31**
